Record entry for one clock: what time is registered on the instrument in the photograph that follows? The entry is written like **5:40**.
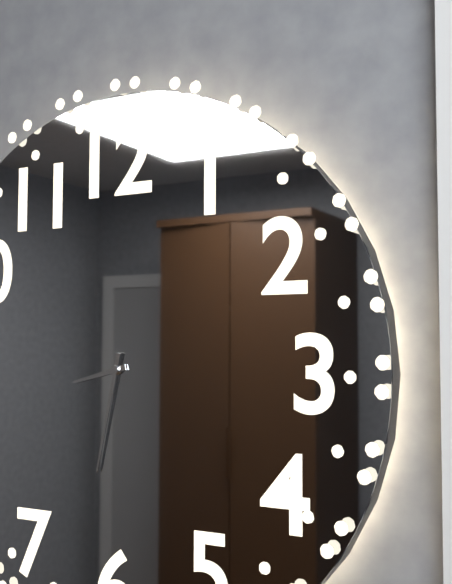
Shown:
**8:32**
